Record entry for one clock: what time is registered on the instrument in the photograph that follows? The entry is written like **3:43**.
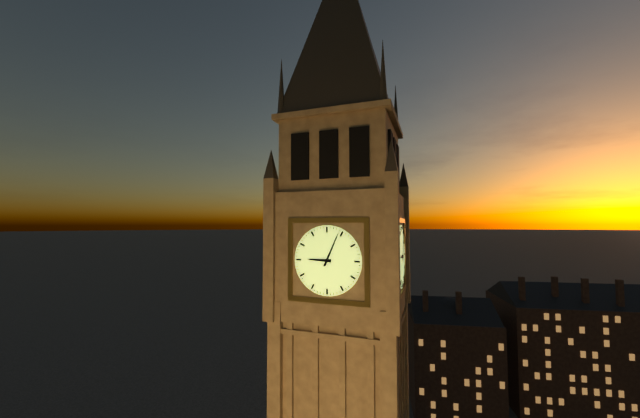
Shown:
**9:04**
